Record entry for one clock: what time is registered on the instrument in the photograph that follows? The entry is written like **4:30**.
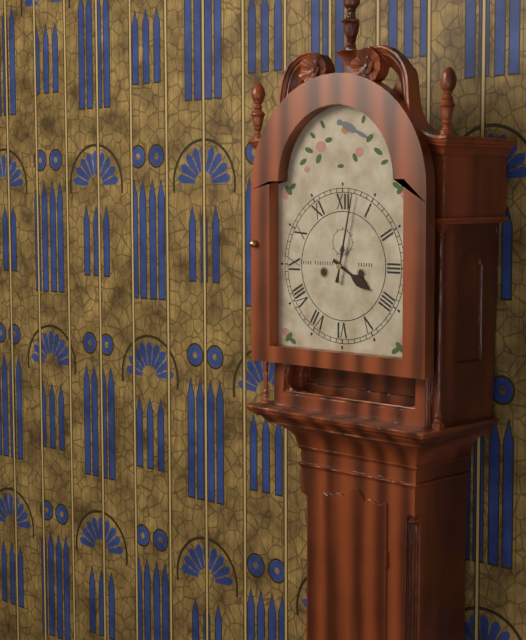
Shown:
**4:02**
